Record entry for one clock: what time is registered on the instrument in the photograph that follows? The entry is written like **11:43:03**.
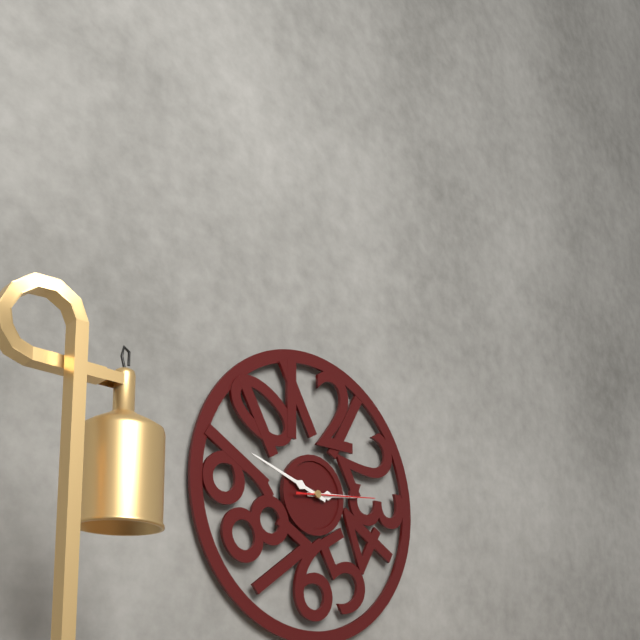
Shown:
**2:48:14**
